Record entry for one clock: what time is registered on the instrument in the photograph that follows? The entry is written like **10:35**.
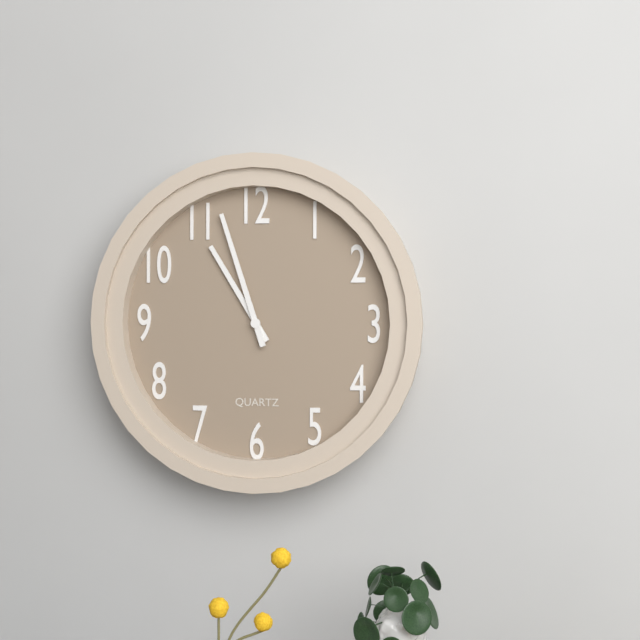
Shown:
**10:57**
